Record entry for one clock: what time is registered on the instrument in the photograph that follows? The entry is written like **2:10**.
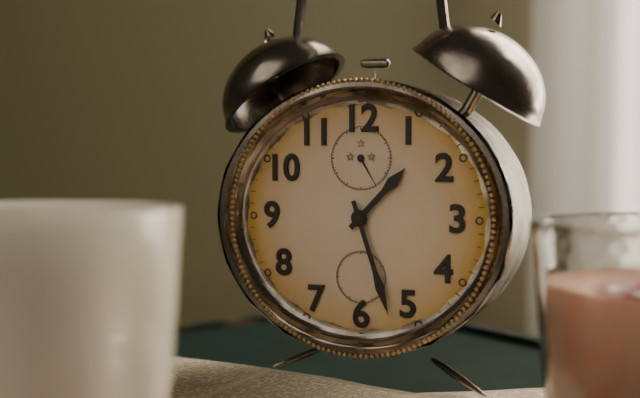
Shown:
**1:27**
